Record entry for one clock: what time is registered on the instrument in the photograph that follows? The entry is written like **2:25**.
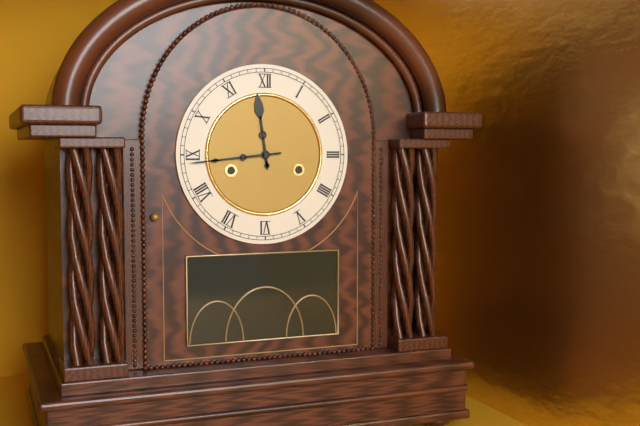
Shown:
**11:44**
